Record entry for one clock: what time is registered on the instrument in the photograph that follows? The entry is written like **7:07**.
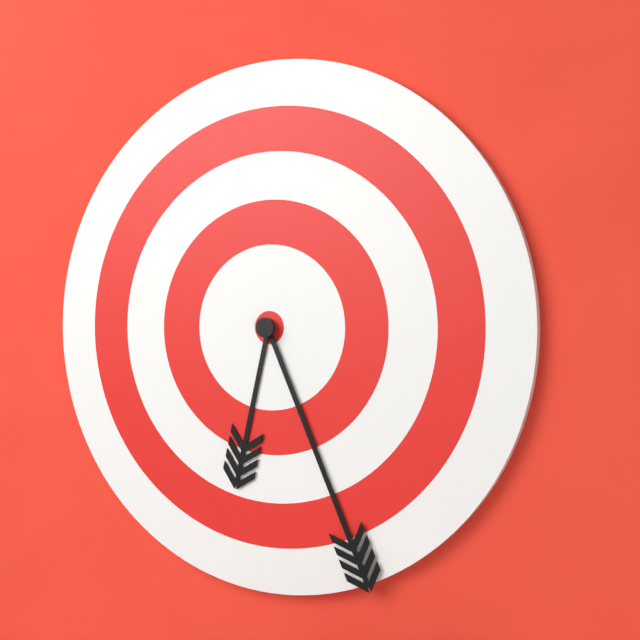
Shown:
**6:26**
